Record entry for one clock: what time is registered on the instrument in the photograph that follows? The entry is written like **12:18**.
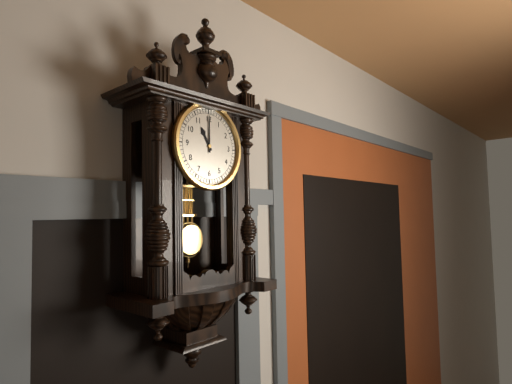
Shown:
**11:00**
